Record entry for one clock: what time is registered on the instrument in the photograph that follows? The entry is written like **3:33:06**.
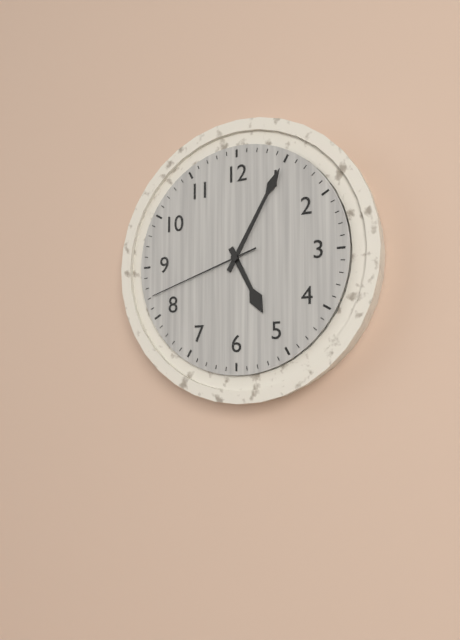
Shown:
**5:05:42**
